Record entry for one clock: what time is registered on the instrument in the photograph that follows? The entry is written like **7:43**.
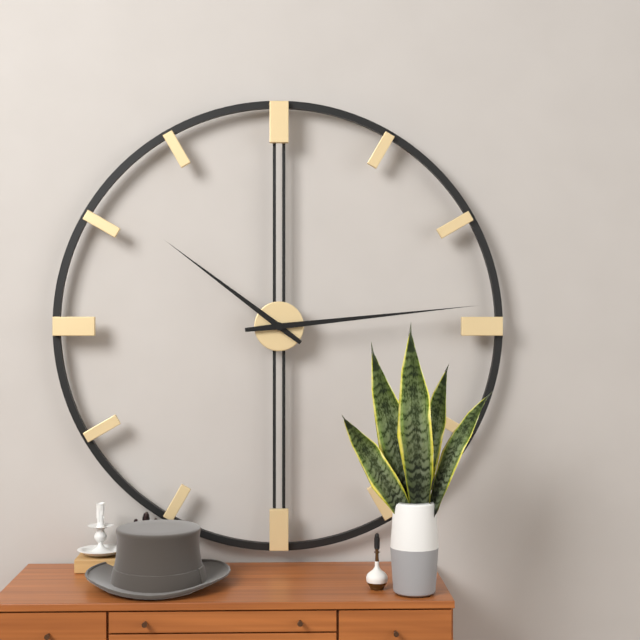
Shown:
**10:14**
